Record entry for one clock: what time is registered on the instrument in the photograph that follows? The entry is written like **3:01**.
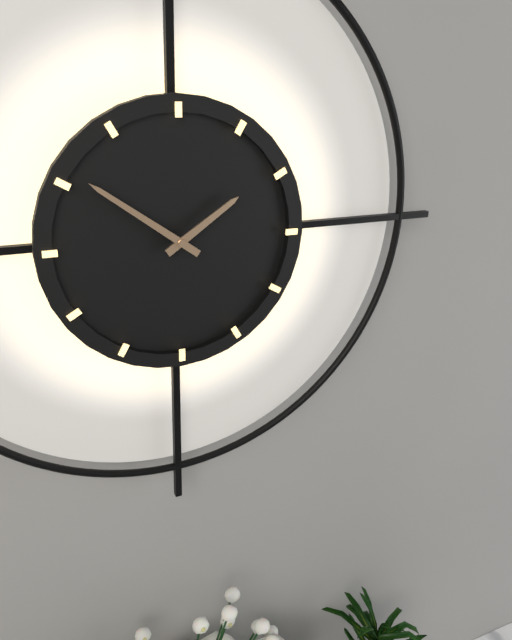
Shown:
**1:51**
